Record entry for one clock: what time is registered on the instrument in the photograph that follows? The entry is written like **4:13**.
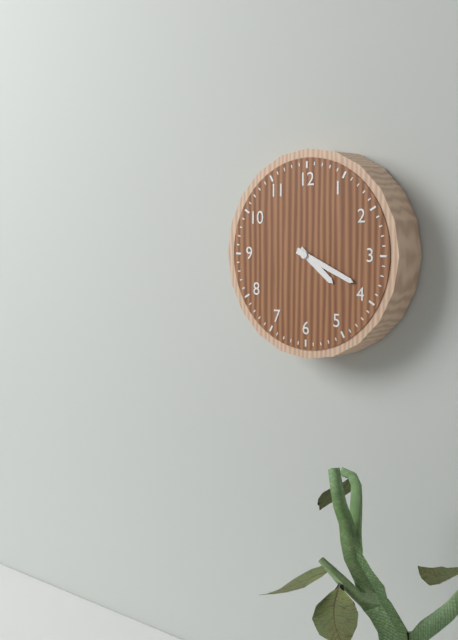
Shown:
**4:19**
